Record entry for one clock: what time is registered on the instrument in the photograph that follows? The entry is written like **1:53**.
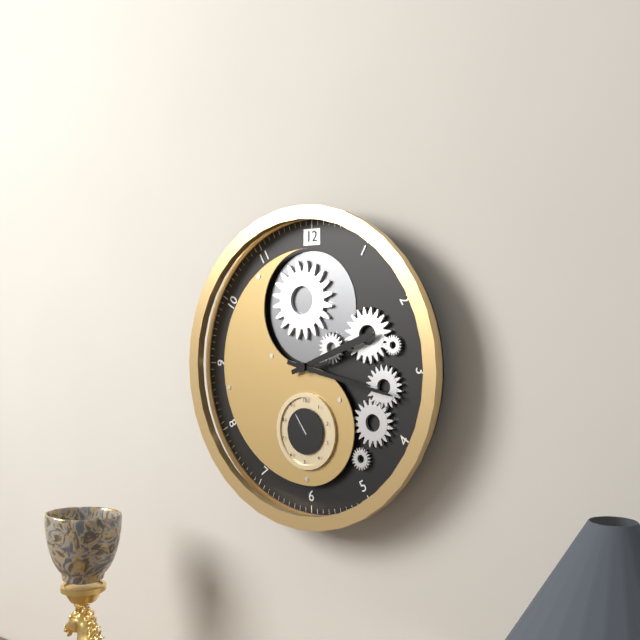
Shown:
**2:17**
